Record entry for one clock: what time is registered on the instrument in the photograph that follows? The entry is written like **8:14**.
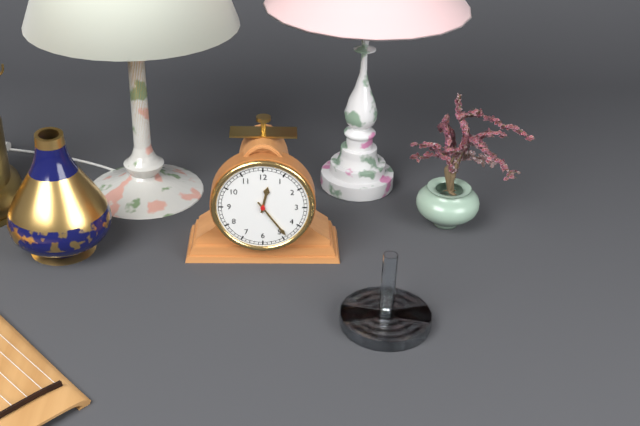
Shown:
**12:24**
